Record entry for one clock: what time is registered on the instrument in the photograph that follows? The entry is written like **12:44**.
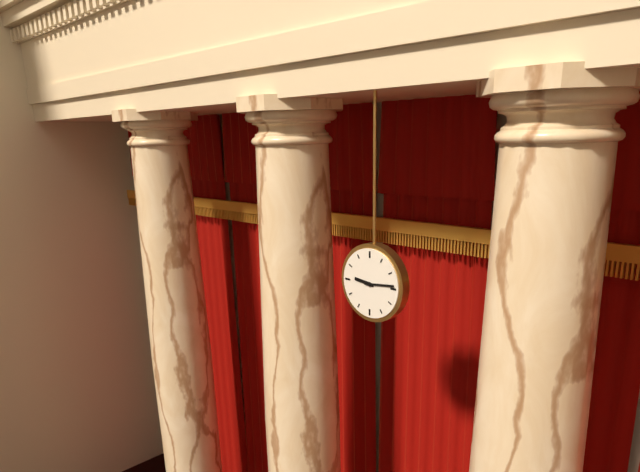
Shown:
**9:14**
